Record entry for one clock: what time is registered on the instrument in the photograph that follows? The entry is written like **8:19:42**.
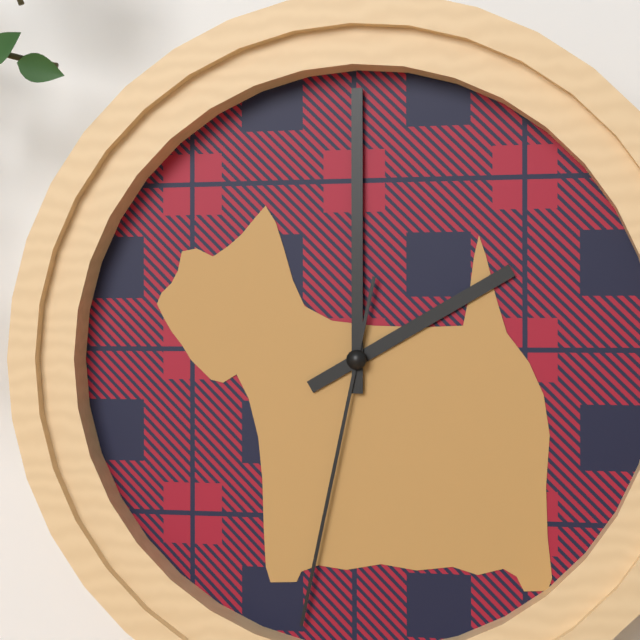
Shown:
**2:00:32**
